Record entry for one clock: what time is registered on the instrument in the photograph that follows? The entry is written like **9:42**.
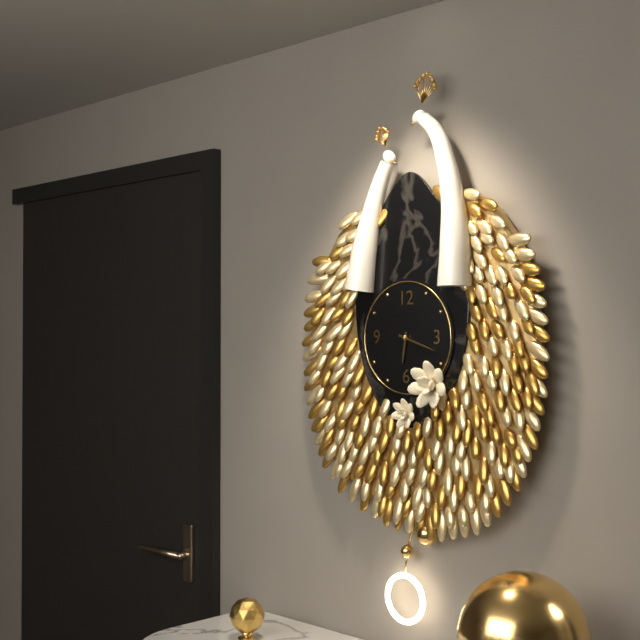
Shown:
**6:18**
